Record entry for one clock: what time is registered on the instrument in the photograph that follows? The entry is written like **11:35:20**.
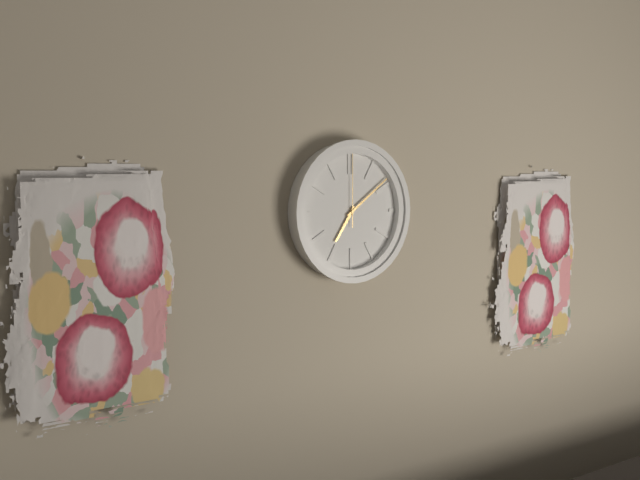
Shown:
**7:09:00**
